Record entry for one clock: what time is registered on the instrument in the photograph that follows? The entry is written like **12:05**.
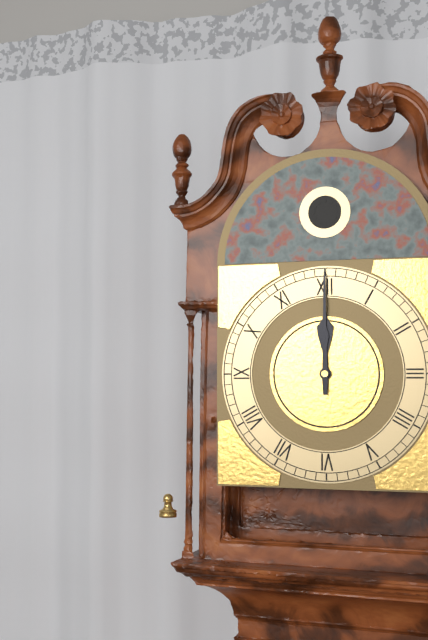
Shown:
**12:00**
